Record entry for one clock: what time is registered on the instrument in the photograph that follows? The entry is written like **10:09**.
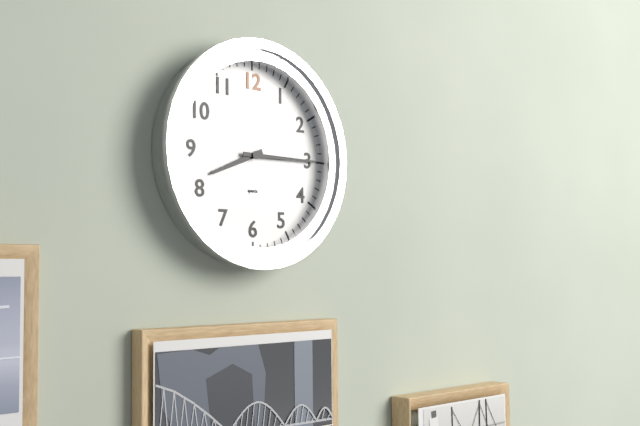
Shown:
**8:15**
